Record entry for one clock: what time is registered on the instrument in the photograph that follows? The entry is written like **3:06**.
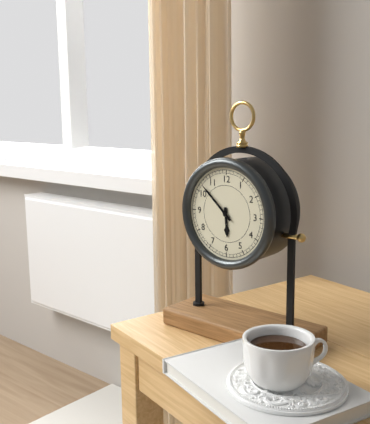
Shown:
**5:52**
